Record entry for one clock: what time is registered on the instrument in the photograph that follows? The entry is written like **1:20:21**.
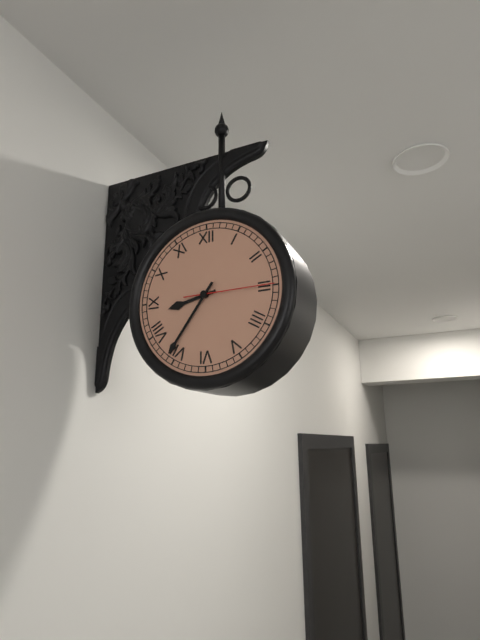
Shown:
**8:36:15**
